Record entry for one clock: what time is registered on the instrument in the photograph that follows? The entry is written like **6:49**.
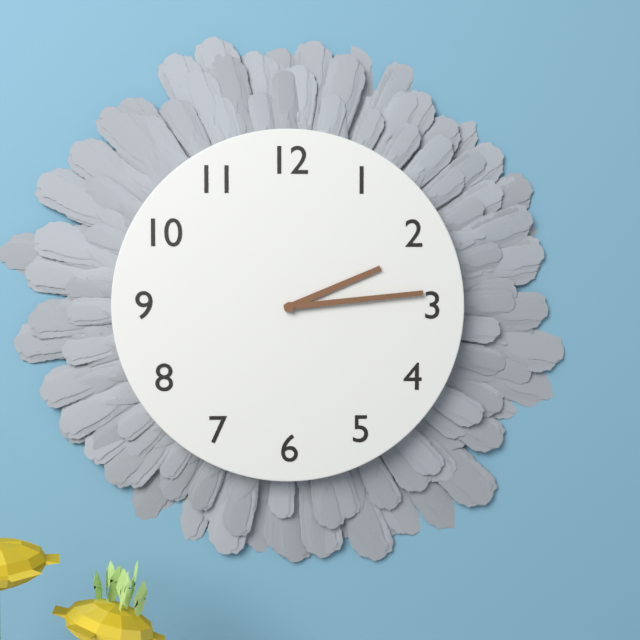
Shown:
**2:14**
